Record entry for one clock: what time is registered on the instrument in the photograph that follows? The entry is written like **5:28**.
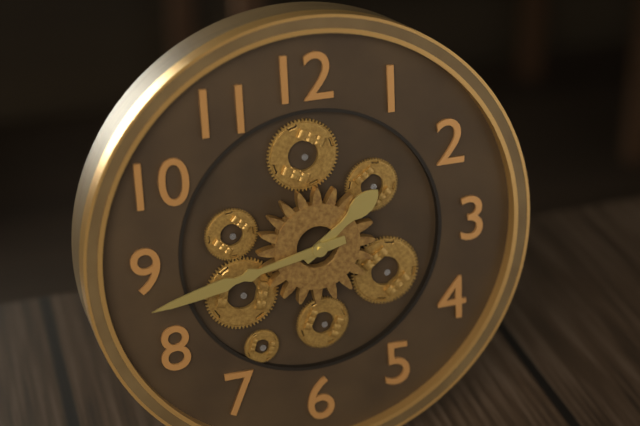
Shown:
**1:43**
